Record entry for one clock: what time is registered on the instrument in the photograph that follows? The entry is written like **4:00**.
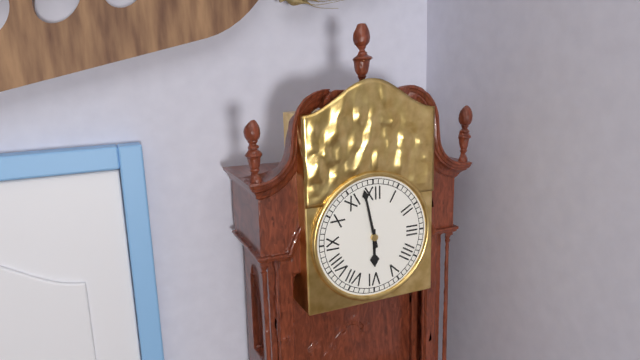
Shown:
**5:58**
